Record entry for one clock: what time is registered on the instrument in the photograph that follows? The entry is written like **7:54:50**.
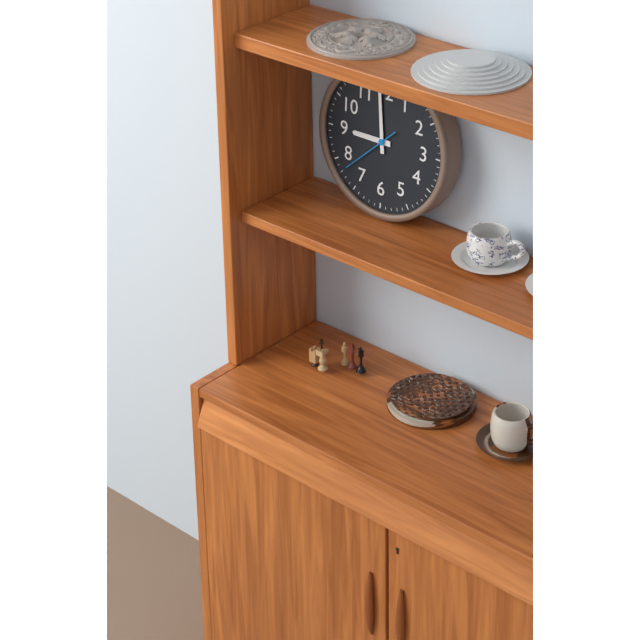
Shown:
**8:59:38**
